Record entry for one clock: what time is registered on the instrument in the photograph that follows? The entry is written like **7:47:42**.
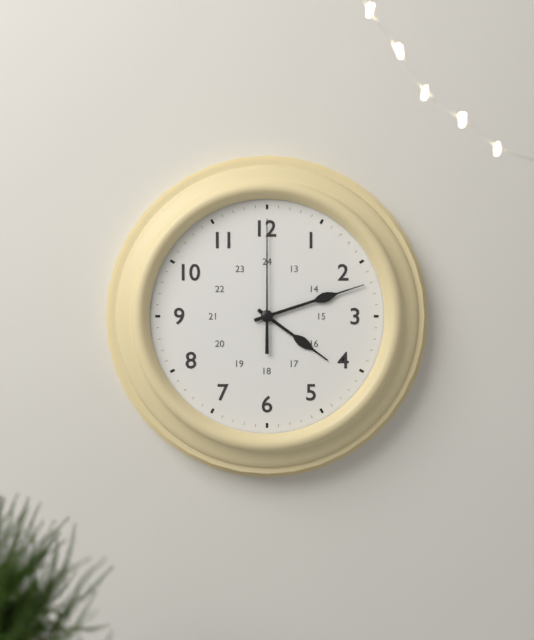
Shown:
**4:12:00**
